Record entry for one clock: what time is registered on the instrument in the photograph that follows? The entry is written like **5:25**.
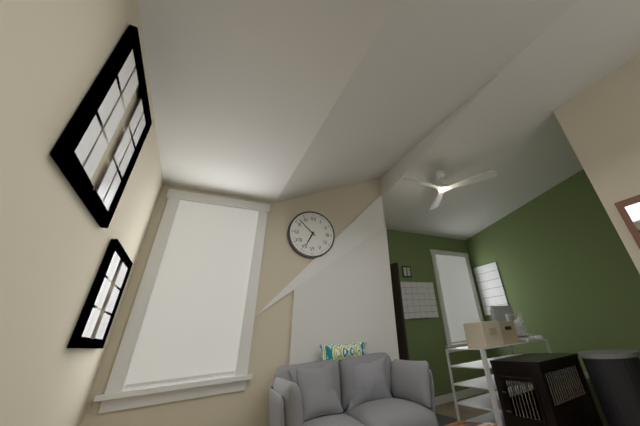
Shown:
**6:52**
